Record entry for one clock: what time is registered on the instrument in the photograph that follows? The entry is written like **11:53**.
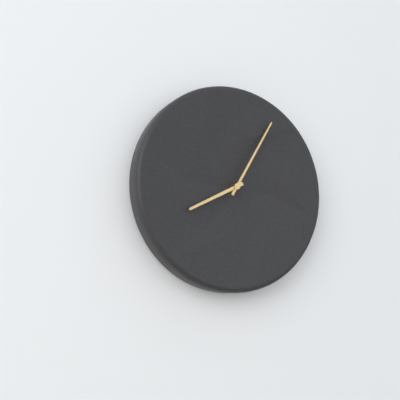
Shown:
**8:05**
